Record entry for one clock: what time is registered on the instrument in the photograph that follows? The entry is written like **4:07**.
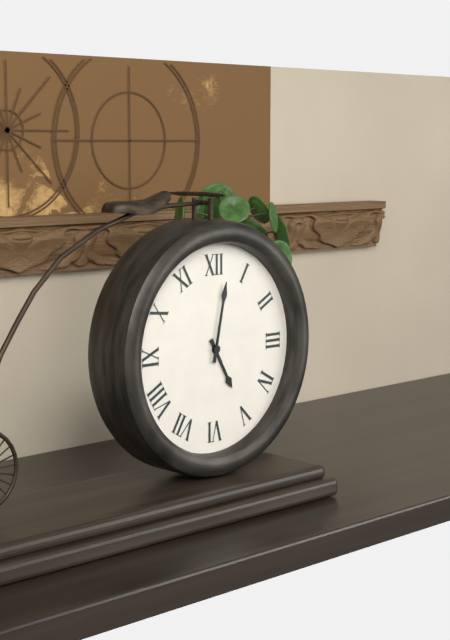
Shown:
**5:02**
